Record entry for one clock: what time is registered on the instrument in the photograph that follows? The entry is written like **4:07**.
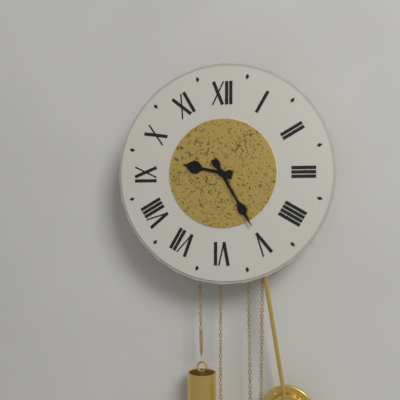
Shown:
**9:25**
